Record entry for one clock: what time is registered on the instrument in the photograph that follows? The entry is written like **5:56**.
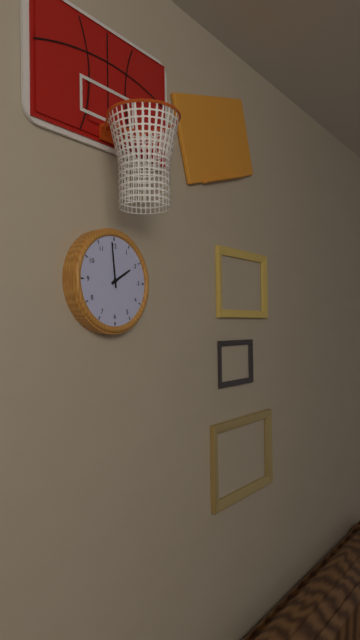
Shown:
**1:59**
